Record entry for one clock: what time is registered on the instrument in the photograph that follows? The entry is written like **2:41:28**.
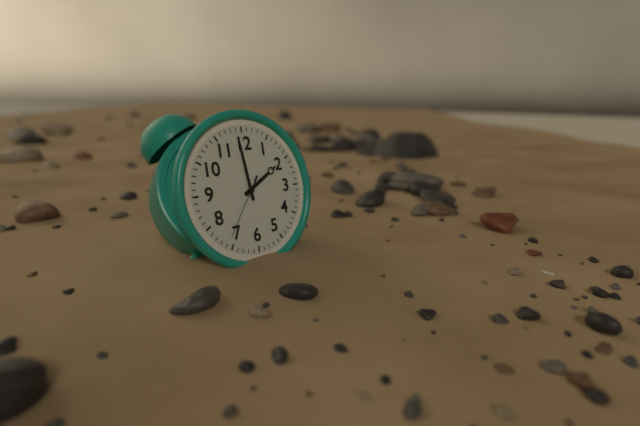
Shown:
**1:59:36**
